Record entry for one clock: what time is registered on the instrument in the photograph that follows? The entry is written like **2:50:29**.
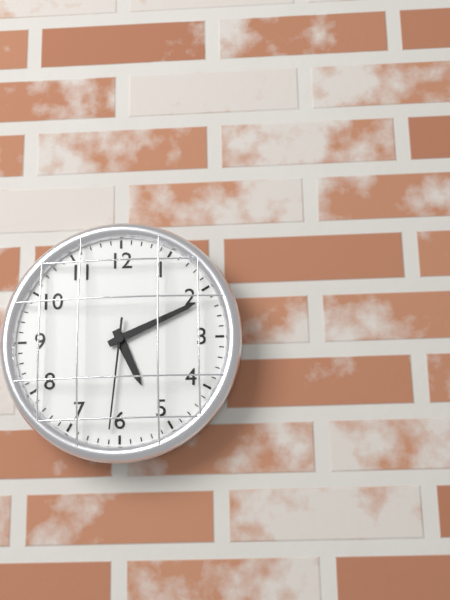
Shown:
**5:11:31**
